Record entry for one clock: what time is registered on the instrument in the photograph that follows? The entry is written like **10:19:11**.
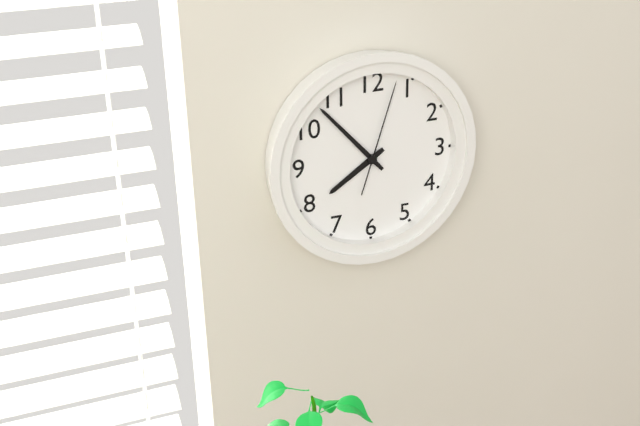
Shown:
**7:53:03**
